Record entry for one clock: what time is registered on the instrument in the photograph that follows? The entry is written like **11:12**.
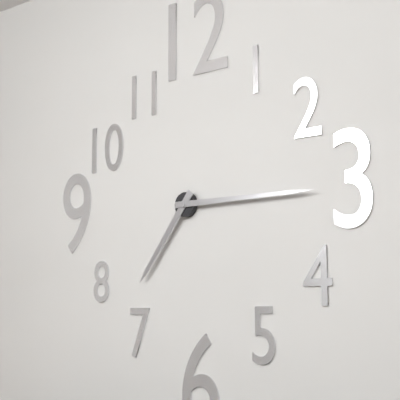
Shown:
**7:15**
